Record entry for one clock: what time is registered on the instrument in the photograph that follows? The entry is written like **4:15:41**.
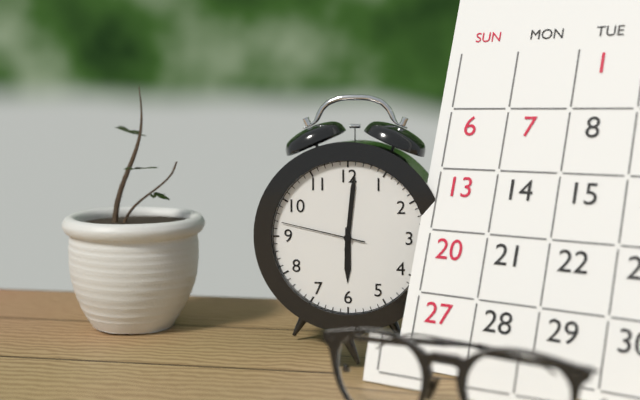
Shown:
**6:01:47**
